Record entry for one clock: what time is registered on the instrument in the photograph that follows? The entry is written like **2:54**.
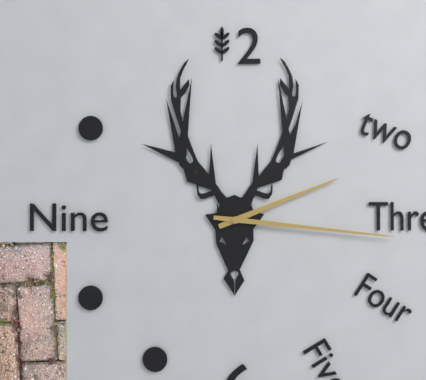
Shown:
**2:16**
